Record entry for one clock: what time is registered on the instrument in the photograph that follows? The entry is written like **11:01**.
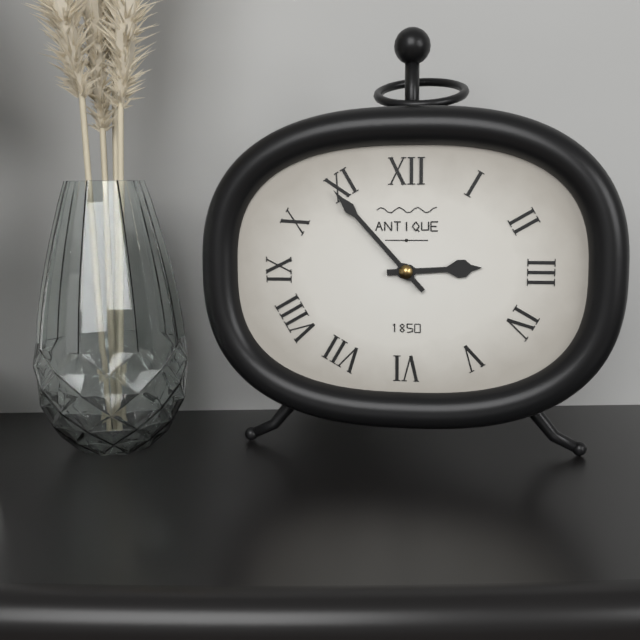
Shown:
**2:53**
